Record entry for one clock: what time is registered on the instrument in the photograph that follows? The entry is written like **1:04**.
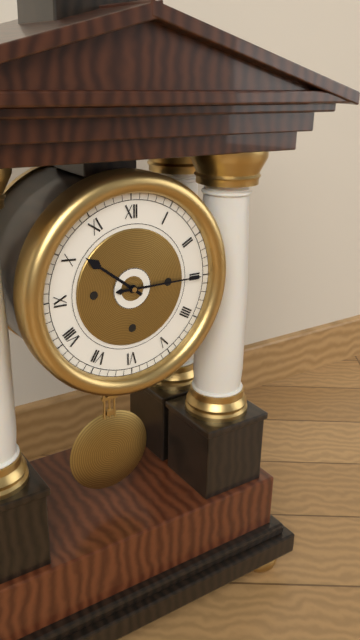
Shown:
**10:15**
